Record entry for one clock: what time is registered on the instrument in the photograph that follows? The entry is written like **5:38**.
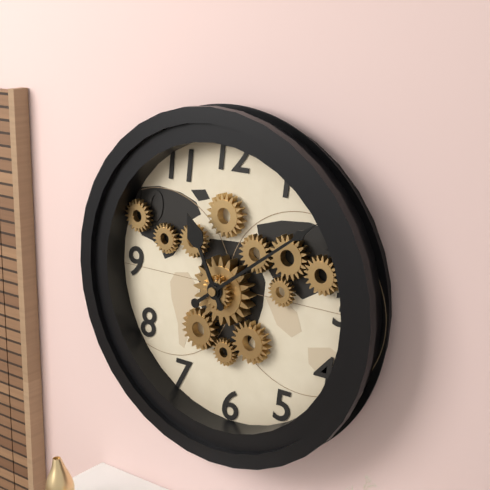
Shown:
**11:09**
